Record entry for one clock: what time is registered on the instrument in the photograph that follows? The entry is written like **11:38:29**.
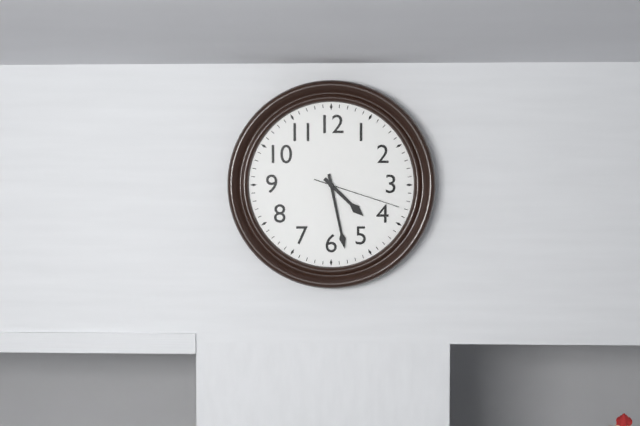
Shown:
**4:28:18**
